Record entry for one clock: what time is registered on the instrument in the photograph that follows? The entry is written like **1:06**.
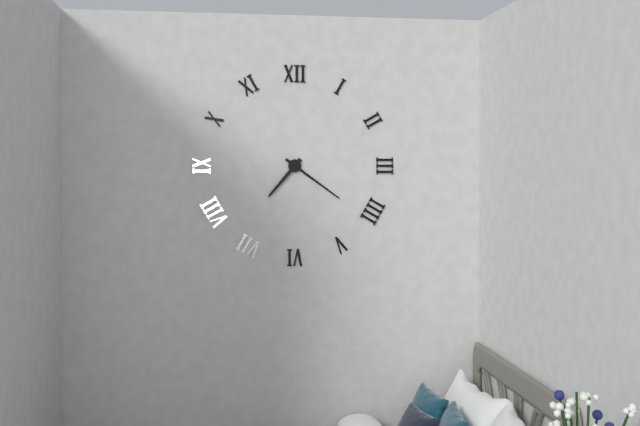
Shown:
**7:21**
